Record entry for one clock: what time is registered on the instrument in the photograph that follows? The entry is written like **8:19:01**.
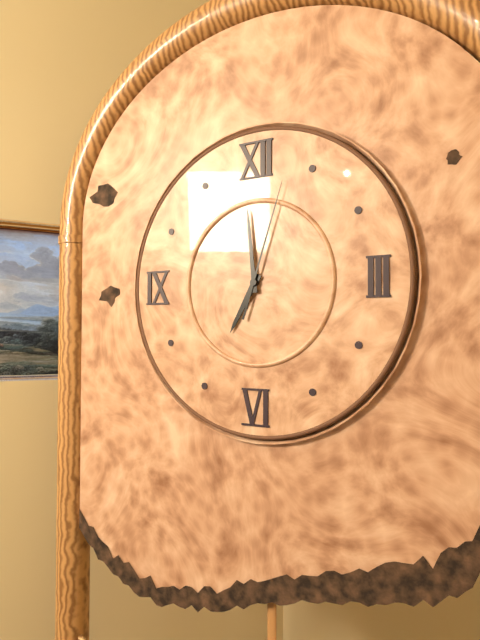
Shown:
**6:59:03**
